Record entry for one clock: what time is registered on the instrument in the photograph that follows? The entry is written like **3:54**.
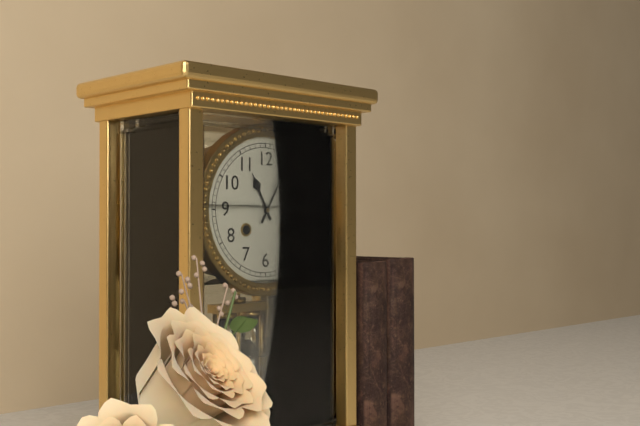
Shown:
**11:05**
